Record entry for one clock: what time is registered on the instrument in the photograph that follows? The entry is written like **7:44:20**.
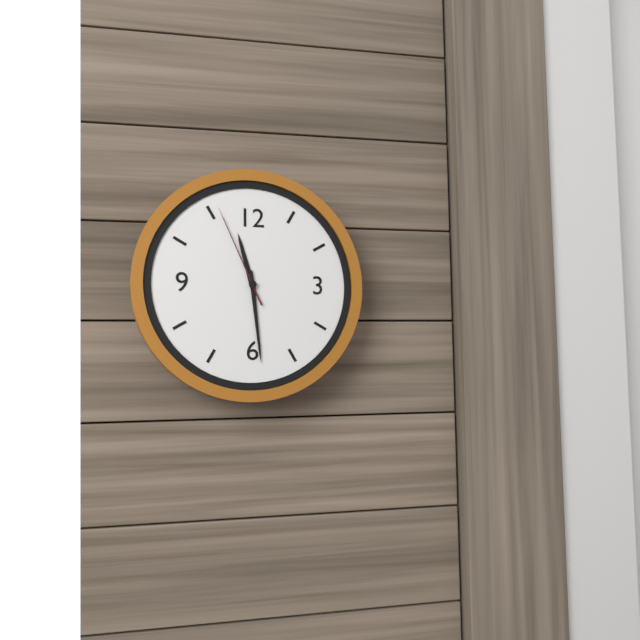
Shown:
**11:29:56**
